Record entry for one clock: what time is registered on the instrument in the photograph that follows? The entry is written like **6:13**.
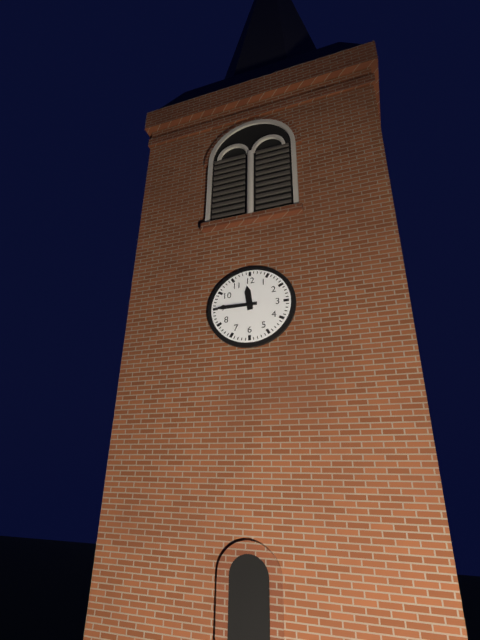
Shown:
**11:45**
